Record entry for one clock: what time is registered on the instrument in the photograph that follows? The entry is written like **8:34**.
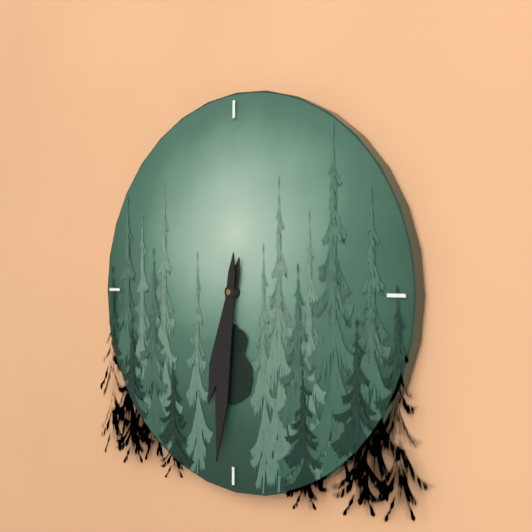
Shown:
**6:31**
